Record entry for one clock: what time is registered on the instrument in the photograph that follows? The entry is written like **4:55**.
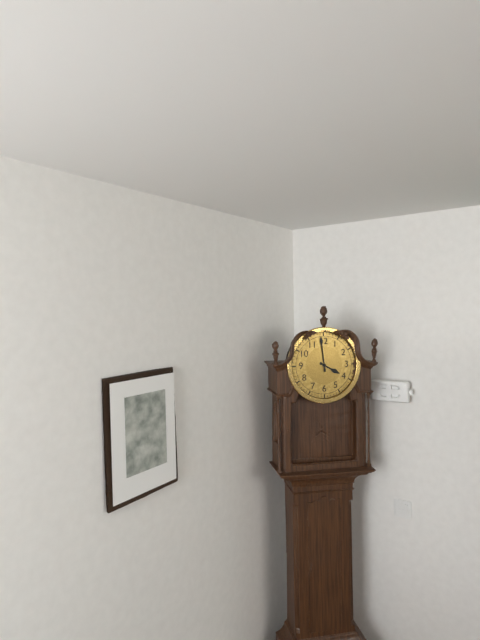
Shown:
**3:59**
